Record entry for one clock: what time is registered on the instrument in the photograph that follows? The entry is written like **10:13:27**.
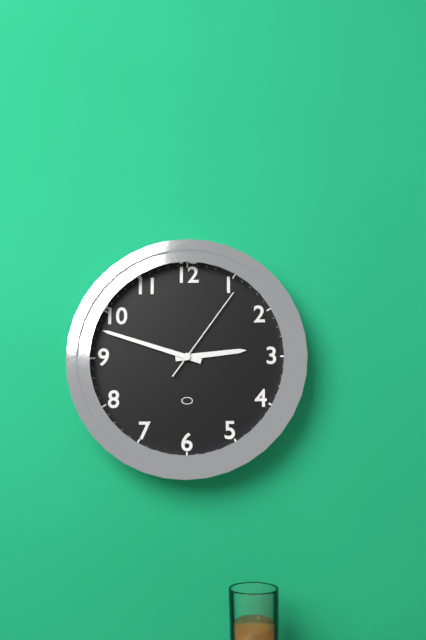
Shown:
**2:48:06**
